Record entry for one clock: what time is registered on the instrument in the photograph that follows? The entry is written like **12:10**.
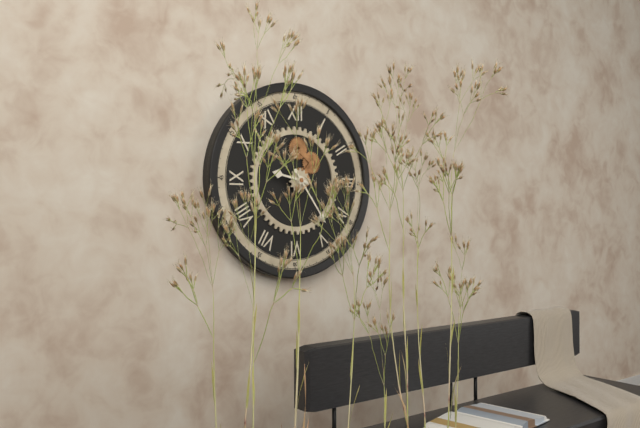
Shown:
**9:24**
